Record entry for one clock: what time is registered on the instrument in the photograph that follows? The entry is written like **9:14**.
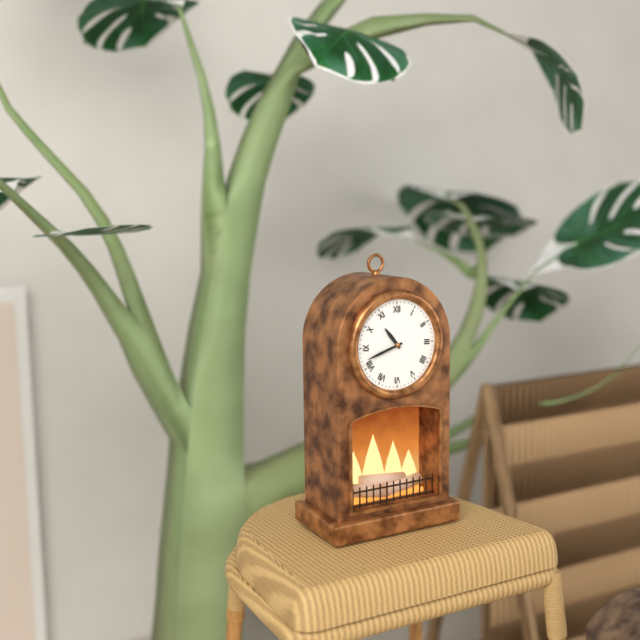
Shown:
**10:42**
